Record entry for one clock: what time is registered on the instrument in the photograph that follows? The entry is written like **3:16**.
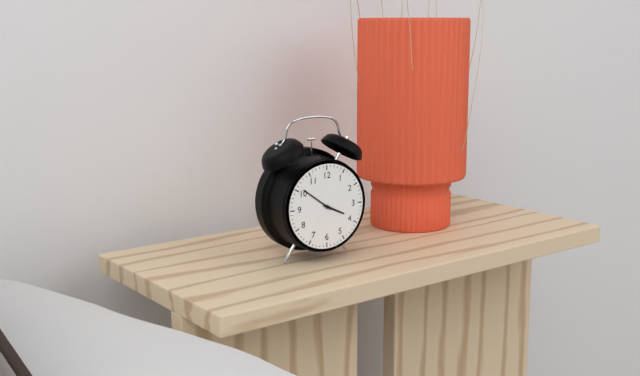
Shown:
**3:51**
